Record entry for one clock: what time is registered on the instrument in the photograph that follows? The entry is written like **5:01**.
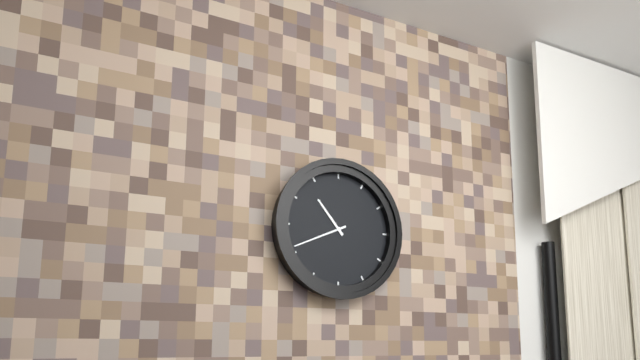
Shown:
**10:41**
